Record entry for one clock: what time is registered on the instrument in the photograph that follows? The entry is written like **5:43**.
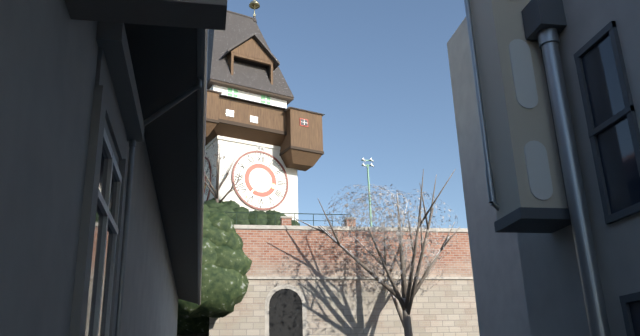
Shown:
**3:36**
